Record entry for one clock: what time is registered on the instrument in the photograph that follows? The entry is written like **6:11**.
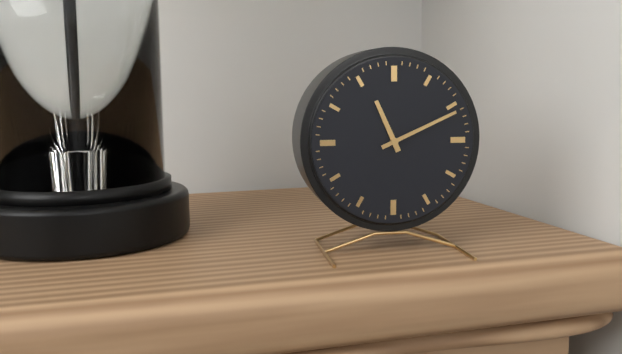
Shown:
**11:11**
